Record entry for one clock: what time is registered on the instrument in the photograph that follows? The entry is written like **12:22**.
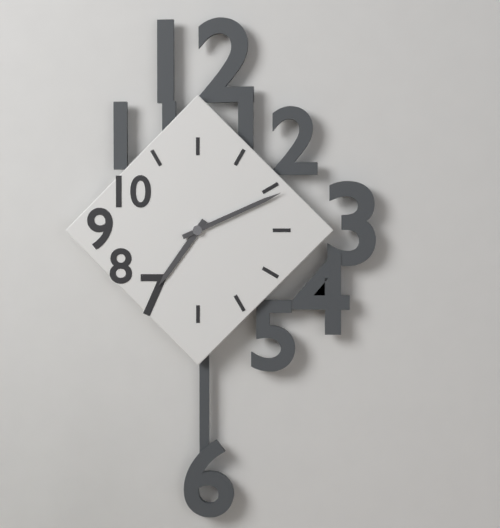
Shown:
**7:11**
